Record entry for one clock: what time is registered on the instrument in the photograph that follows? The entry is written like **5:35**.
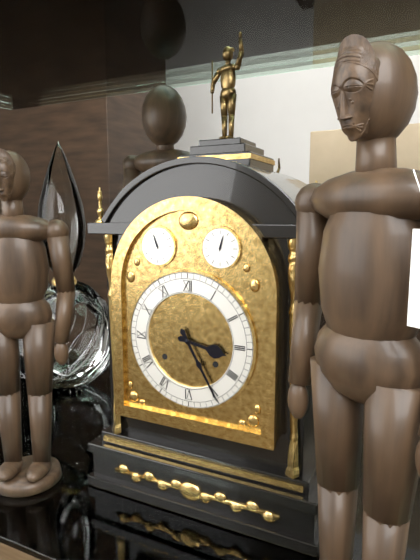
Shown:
**3:25**
